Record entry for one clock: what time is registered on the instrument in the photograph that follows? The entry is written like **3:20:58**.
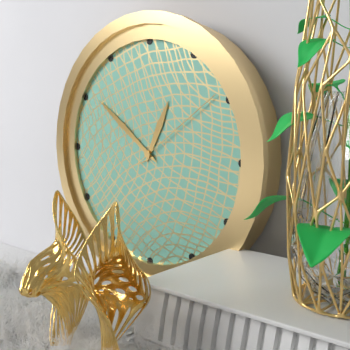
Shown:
**12:51:09**
